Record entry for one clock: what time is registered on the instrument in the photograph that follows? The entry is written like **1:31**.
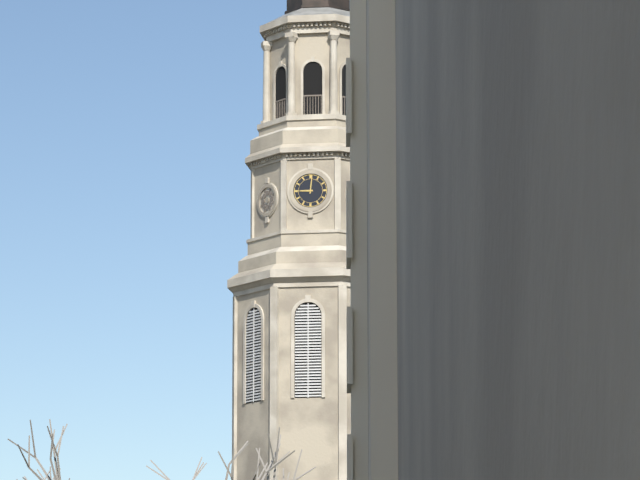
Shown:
**9:01**
